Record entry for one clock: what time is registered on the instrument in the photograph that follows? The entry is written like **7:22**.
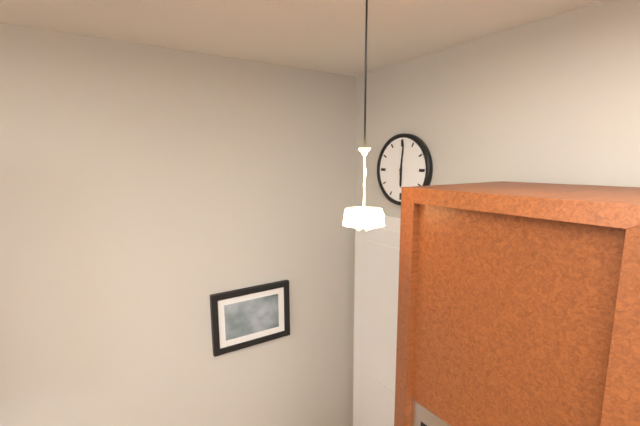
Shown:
**6:01**
